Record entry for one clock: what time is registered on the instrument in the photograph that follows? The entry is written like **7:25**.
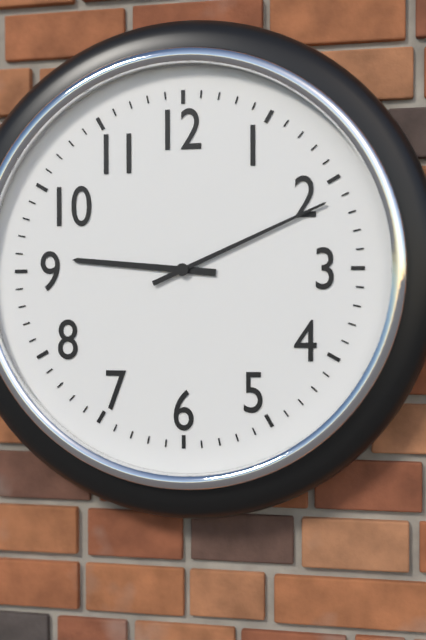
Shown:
**9:11**
